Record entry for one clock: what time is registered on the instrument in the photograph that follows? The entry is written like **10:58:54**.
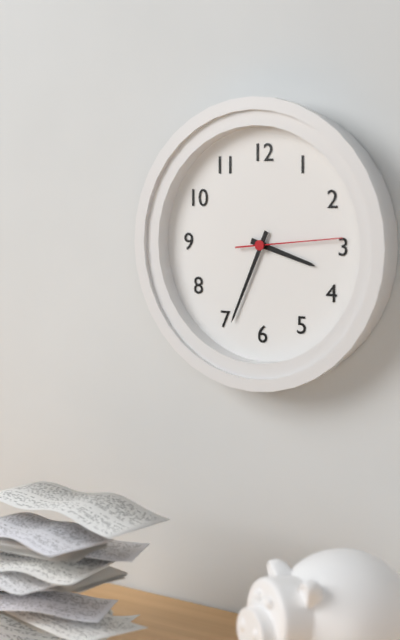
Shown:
**3:34:14**
